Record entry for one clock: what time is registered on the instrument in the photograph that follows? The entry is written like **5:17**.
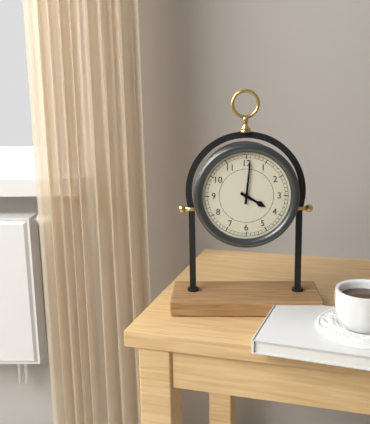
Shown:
**4:01**
